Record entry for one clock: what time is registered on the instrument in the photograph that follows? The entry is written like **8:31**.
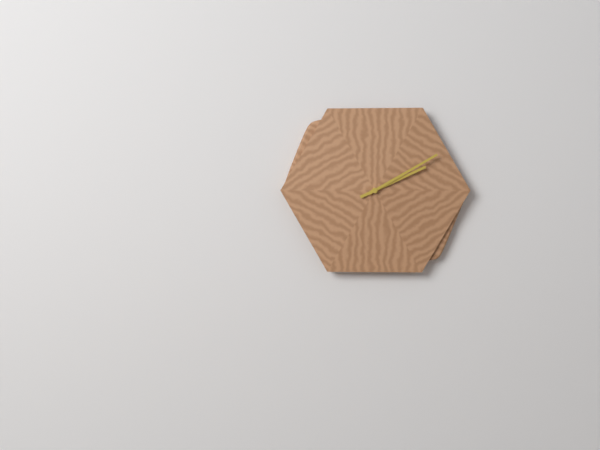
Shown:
**2:10**
